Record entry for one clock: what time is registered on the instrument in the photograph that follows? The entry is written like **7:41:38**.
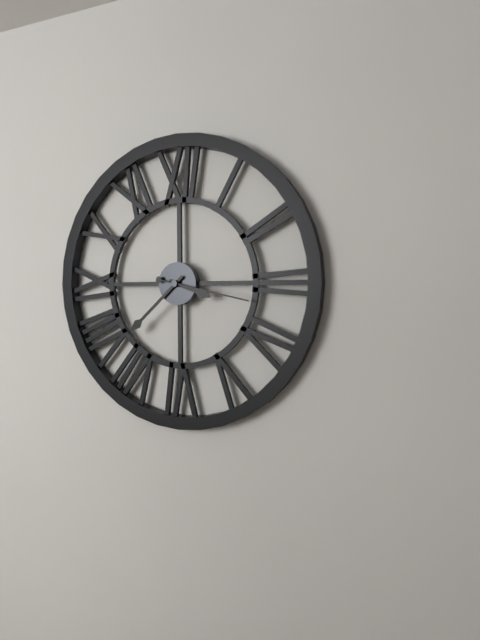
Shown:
**3:38:17**
